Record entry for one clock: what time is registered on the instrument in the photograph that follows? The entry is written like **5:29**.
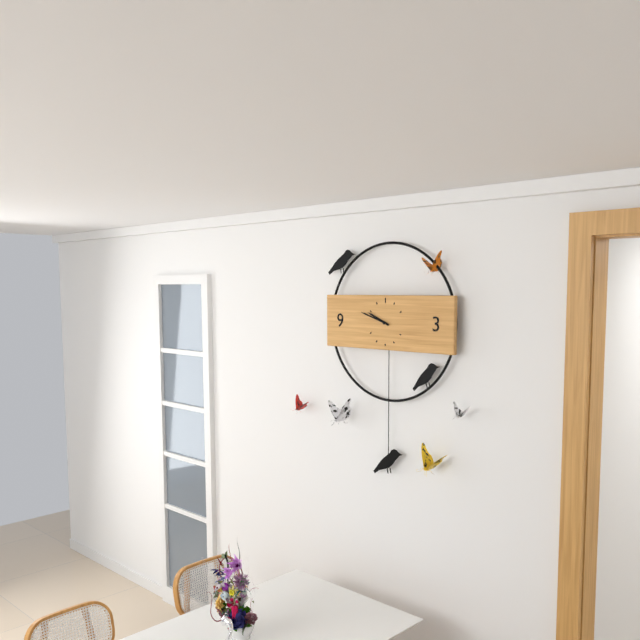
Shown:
**9:48**
